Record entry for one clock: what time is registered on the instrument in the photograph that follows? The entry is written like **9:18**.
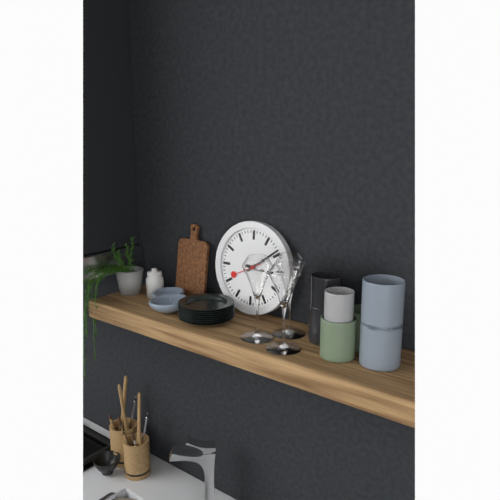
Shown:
**3:09**
